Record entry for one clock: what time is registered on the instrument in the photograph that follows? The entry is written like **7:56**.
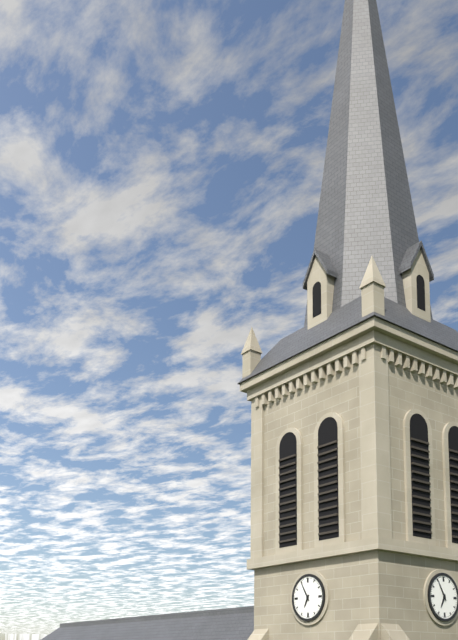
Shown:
**6:55**
